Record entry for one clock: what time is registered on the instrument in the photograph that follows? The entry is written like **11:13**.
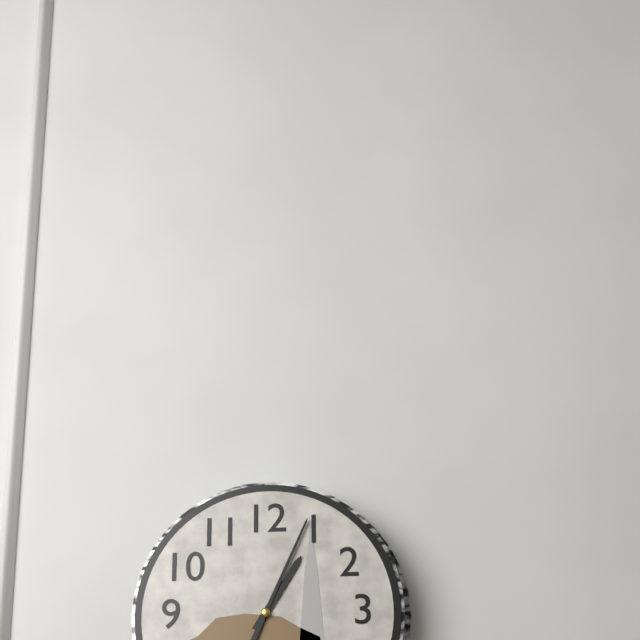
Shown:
**1:04**
